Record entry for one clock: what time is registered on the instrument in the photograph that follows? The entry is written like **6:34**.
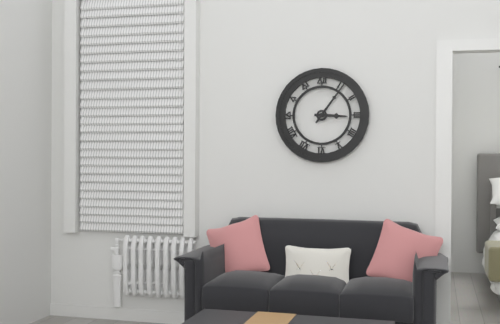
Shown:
**3:06**
